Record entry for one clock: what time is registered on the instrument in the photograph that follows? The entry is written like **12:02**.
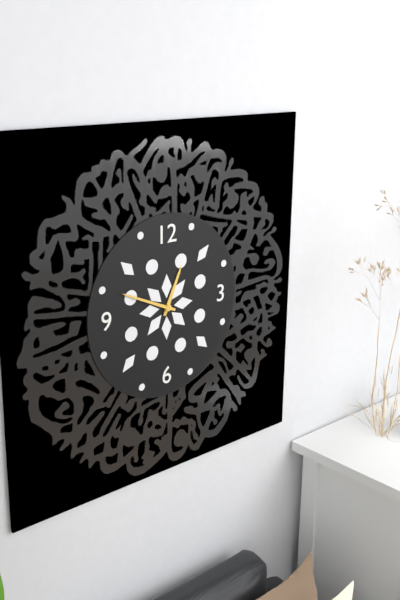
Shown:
**12:49**
